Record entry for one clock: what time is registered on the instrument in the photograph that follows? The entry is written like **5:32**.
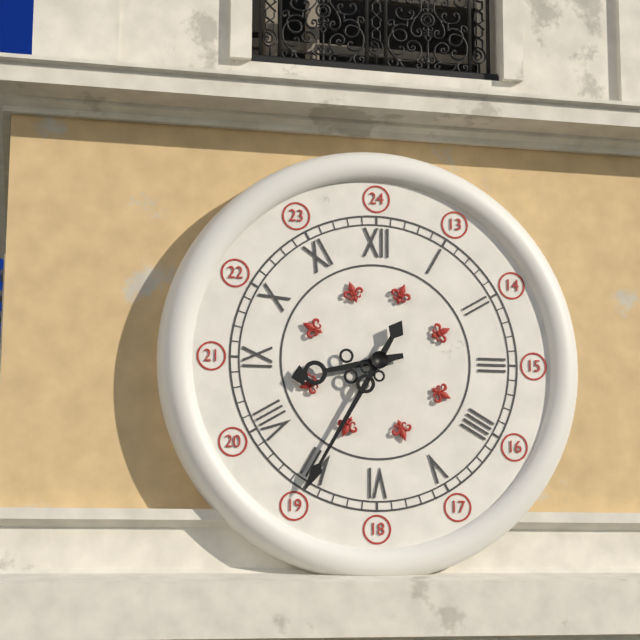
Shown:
**8:35**
